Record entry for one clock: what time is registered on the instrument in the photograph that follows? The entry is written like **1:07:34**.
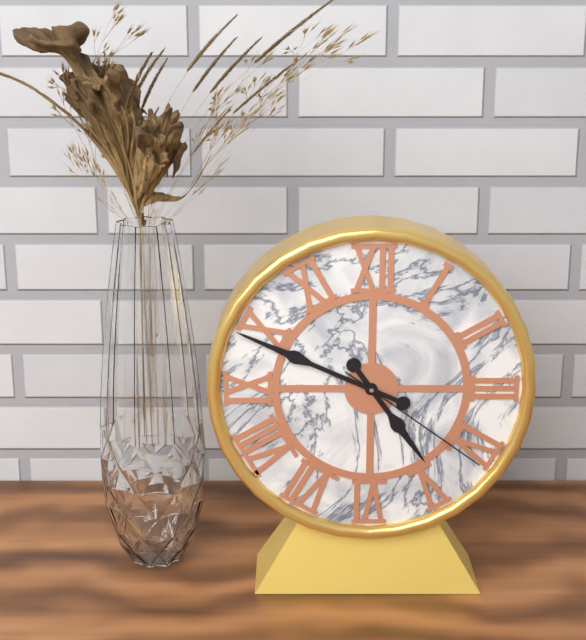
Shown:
**4:49:21**
